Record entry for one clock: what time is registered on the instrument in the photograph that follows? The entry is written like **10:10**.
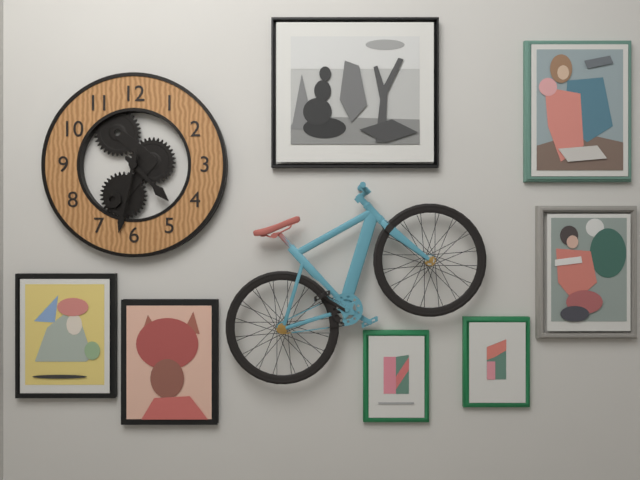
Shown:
**4:32**
